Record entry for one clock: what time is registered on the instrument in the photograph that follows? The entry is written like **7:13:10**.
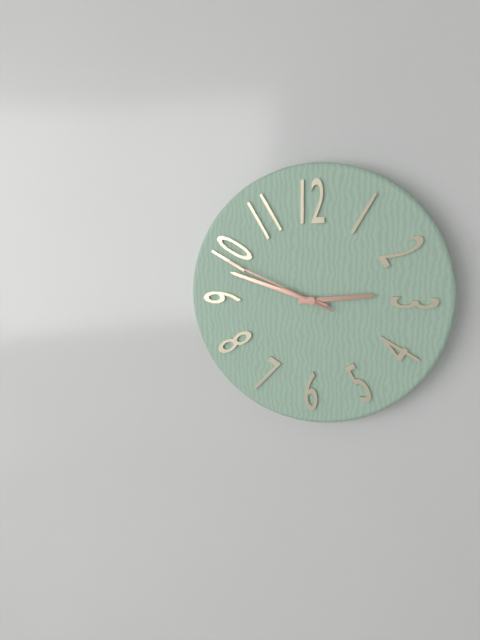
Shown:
**2:48:49**
